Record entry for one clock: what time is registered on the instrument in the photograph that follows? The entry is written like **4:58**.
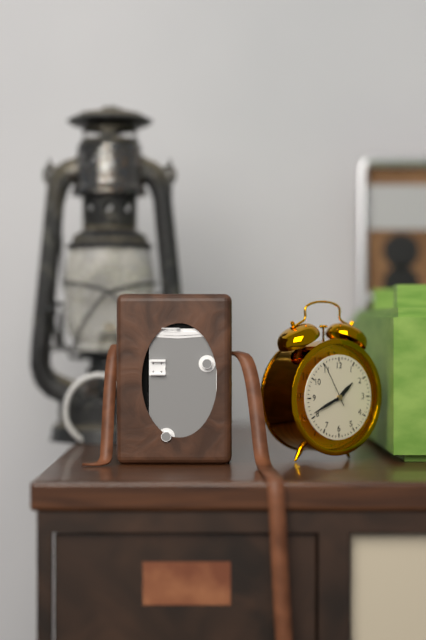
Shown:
**1:41**
